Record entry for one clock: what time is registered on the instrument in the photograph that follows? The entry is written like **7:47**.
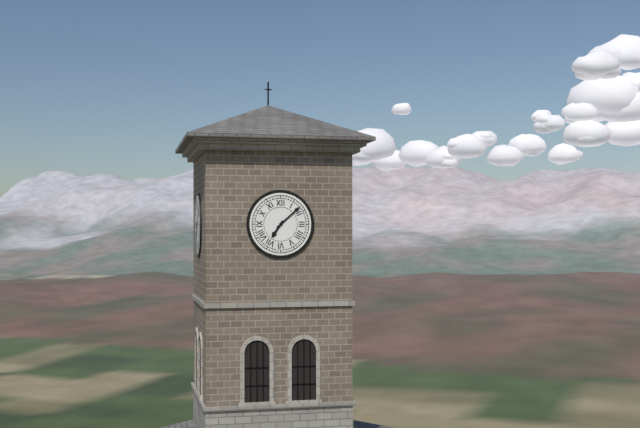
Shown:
**7:08**
